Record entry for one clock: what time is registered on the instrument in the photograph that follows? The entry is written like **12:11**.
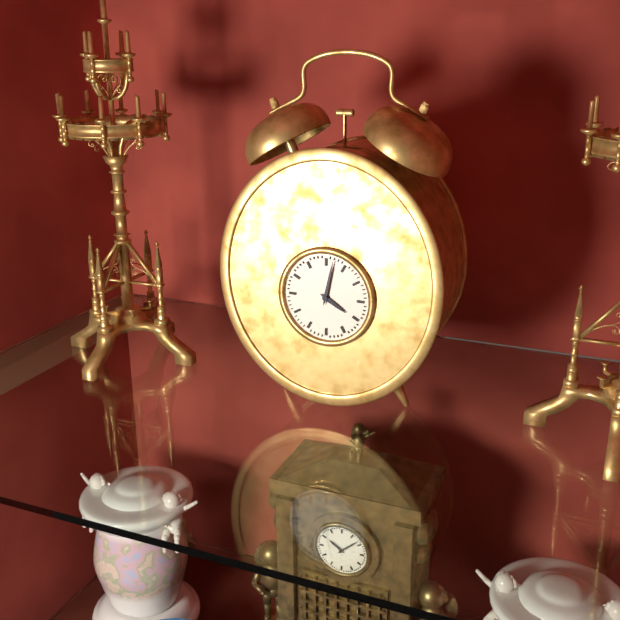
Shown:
**4:02**
